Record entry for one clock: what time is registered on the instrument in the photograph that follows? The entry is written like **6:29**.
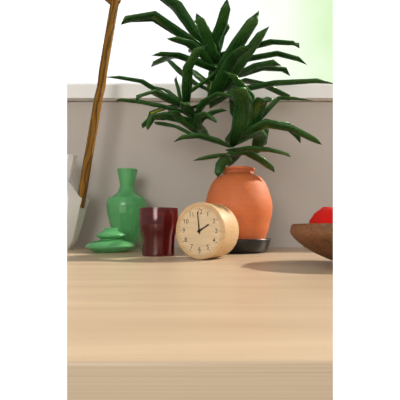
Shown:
**1:59**
